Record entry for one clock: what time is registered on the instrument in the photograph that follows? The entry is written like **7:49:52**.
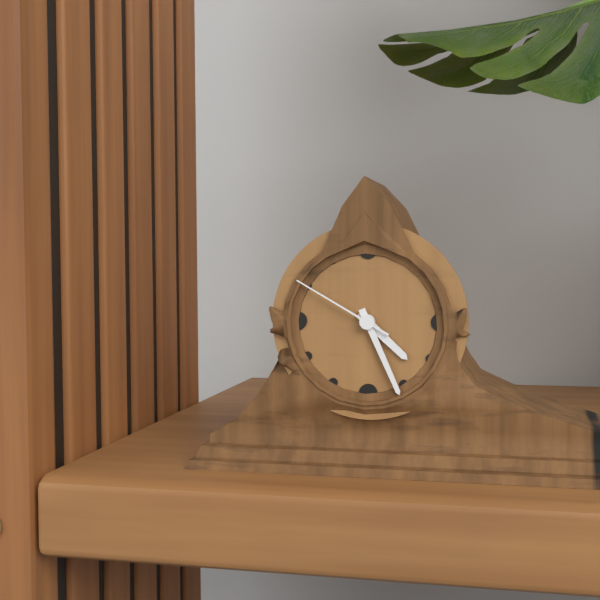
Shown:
**4:26:50**
